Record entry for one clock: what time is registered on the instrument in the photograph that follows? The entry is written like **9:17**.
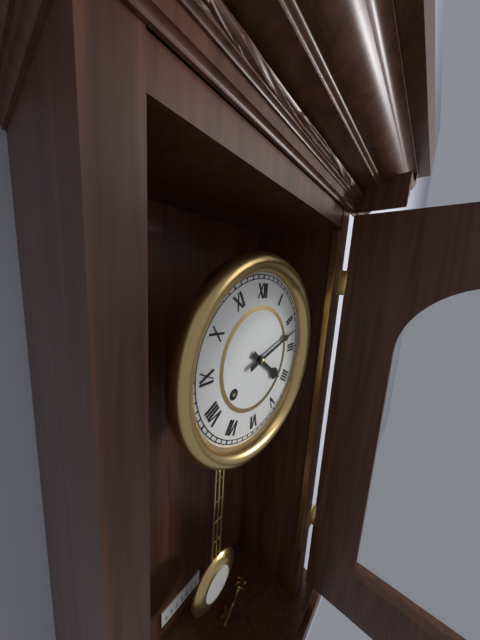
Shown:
**4:12**
